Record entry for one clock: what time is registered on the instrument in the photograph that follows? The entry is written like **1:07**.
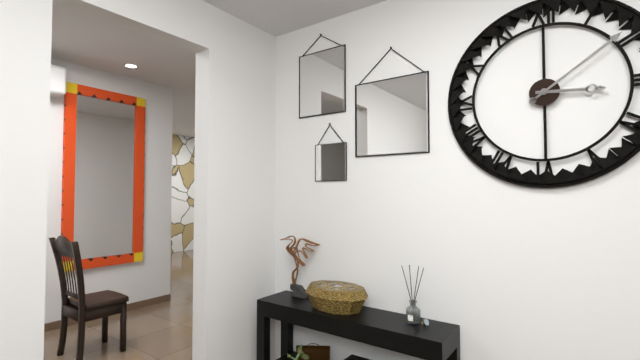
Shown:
**3:09**
